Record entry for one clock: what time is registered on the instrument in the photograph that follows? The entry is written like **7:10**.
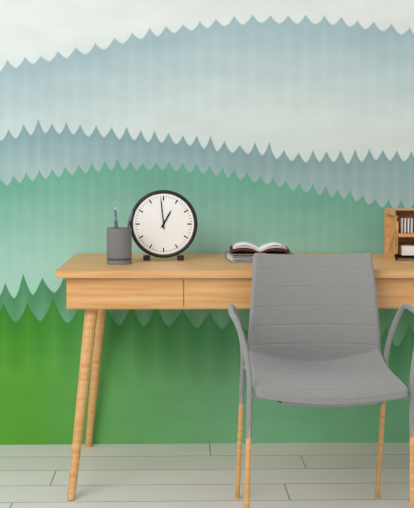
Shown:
**12:59**
